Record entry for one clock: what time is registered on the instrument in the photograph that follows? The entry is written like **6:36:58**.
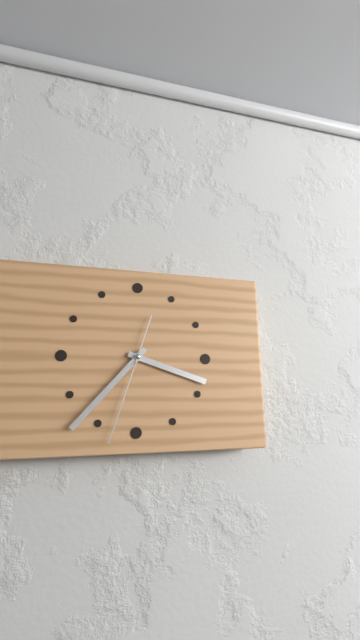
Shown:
**3:37:33**
